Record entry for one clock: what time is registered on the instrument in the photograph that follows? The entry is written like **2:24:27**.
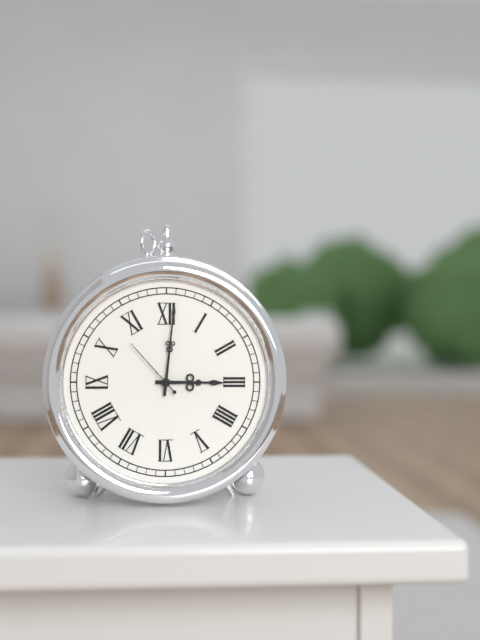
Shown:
**3:01:53**
